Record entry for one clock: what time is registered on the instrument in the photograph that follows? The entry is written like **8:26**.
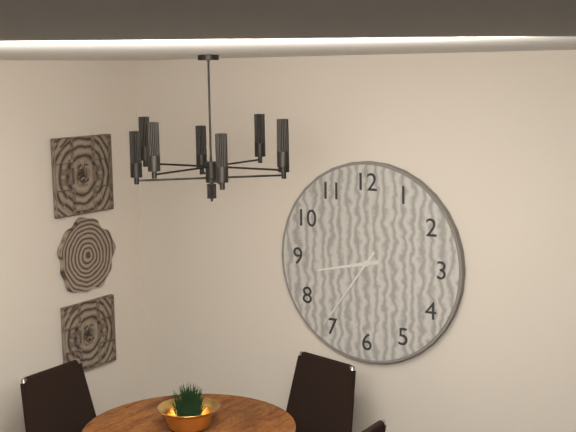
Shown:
**8:36**
